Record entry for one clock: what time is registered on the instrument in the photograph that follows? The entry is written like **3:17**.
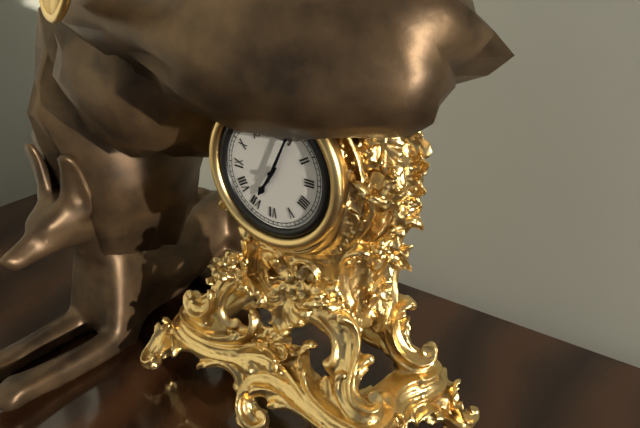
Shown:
**7:04**
